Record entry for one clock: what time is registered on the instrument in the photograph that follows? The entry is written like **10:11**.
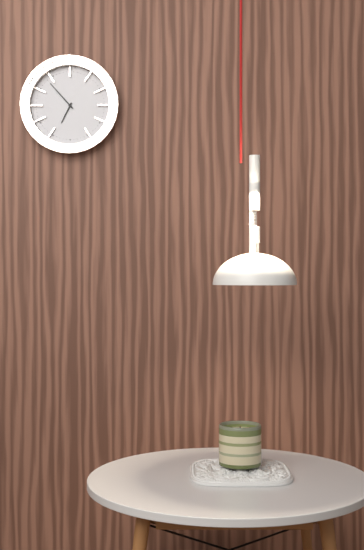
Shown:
**6:53**
